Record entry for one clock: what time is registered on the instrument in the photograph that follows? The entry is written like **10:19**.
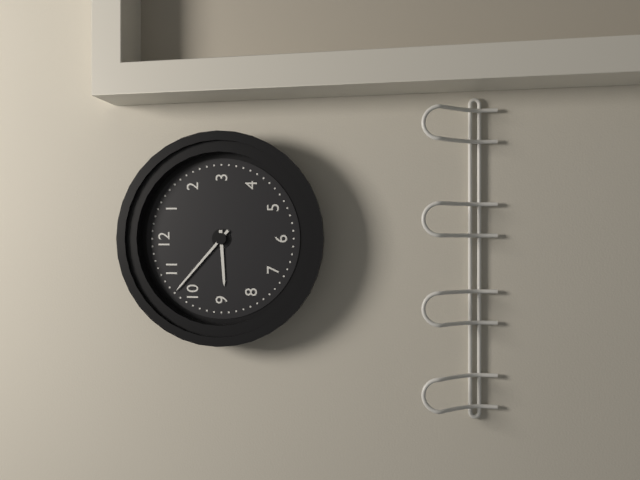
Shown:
**8:52**
